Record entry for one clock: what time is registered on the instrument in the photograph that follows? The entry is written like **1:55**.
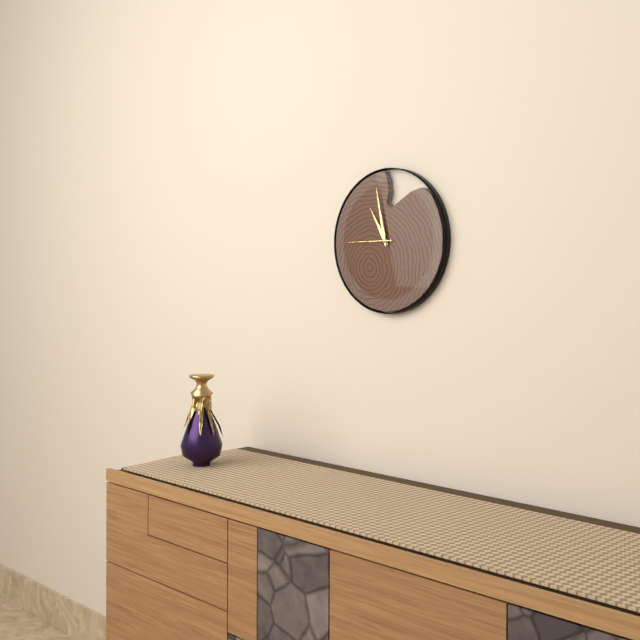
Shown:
**10:58**
